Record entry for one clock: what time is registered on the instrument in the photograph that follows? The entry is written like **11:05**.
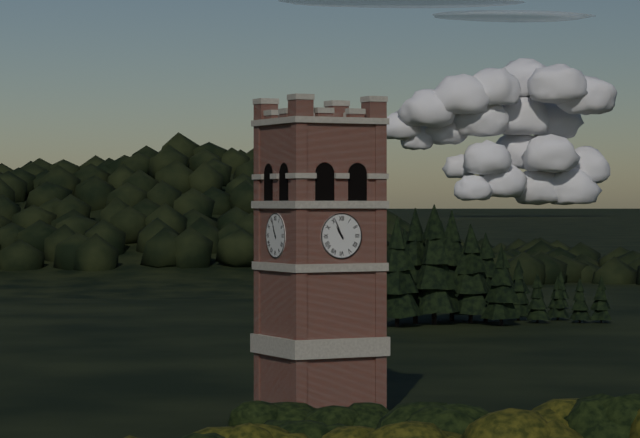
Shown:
**10:56**
